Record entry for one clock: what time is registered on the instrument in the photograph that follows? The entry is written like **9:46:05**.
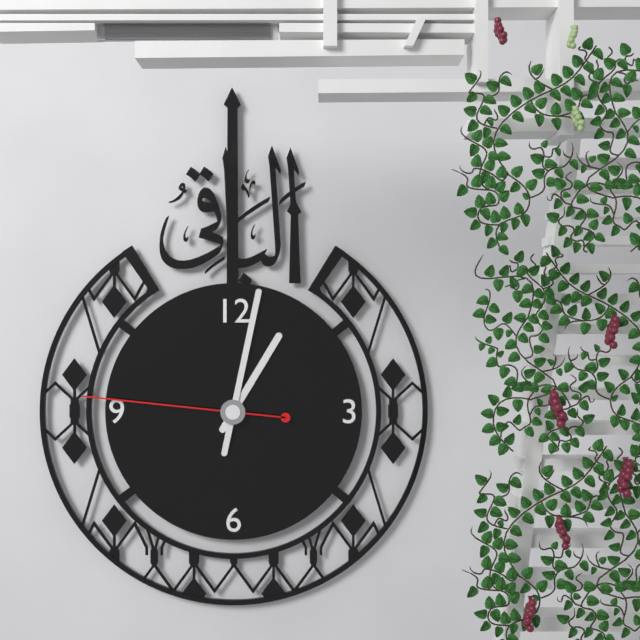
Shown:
**1:02:46**
